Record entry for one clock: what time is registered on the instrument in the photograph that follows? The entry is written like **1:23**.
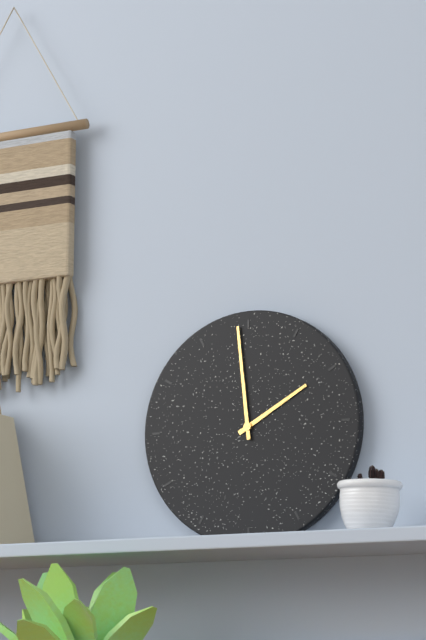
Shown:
**1:59**
